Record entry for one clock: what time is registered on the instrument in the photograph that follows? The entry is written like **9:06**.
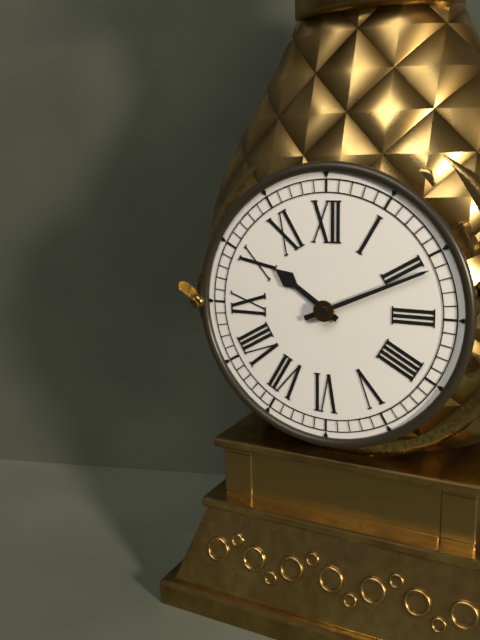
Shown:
**10:11**
